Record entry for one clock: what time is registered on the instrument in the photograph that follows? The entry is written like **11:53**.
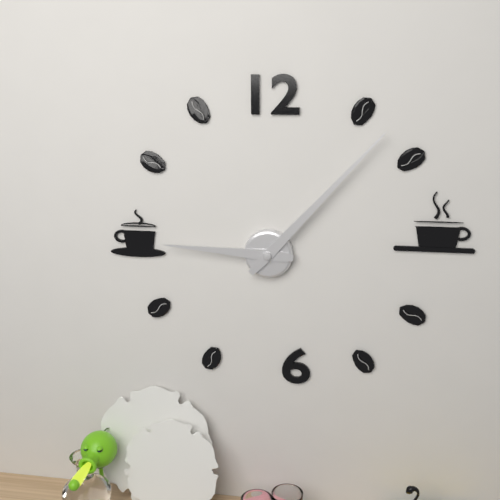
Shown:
**9:07**
